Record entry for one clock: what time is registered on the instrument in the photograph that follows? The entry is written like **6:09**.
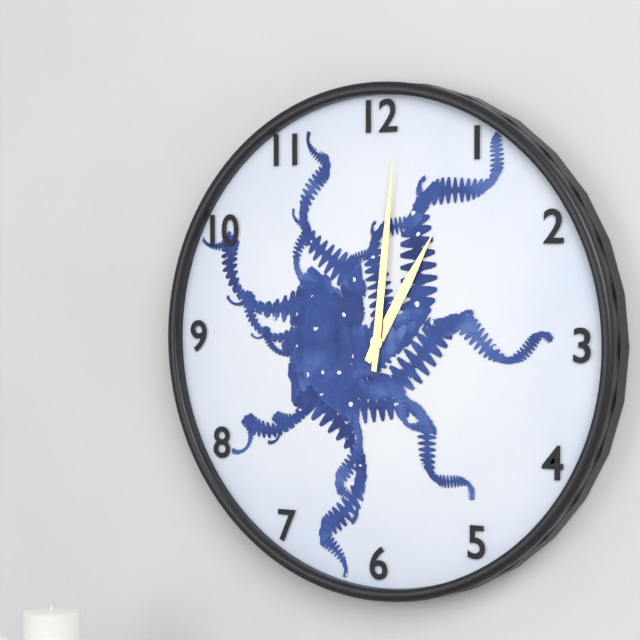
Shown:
**1:01**
